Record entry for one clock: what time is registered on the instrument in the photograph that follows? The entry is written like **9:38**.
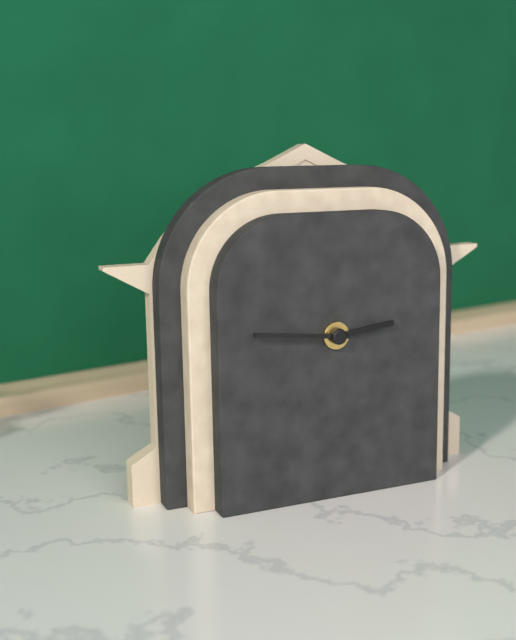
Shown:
**2:46**
